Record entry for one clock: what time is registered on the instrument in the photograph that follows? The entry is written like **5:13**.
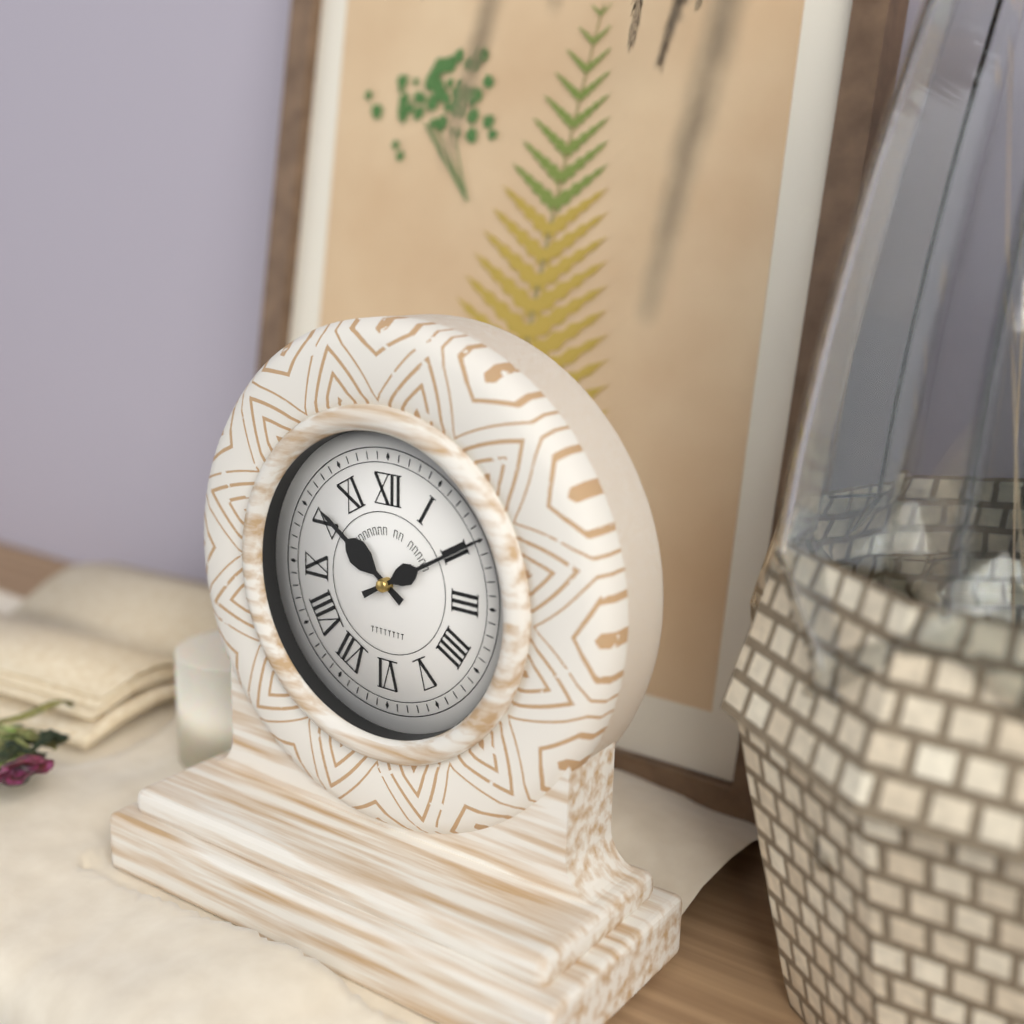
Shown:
**10:10**
